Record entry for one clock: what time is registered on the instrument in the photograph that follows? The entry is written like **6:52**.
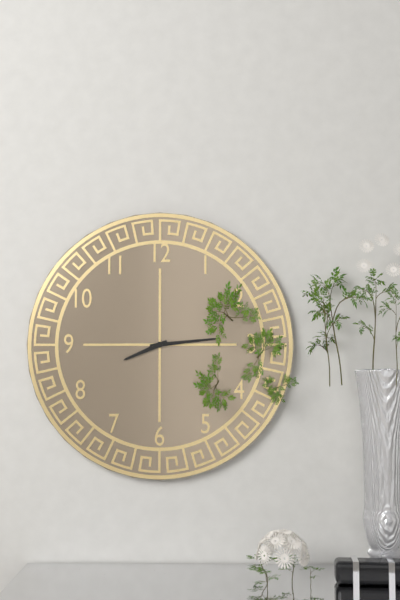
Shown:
**8:14**
